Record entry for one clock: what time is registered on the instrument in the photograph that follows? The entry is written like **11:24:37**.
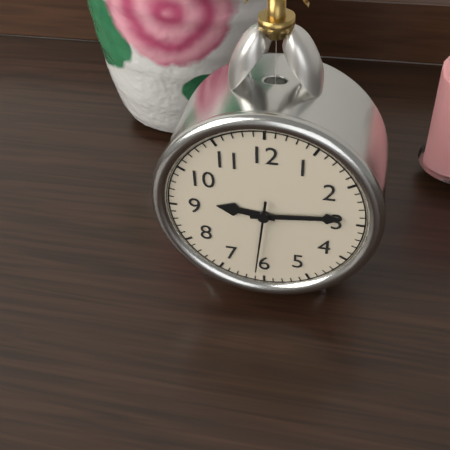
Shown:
**9:14:31**
